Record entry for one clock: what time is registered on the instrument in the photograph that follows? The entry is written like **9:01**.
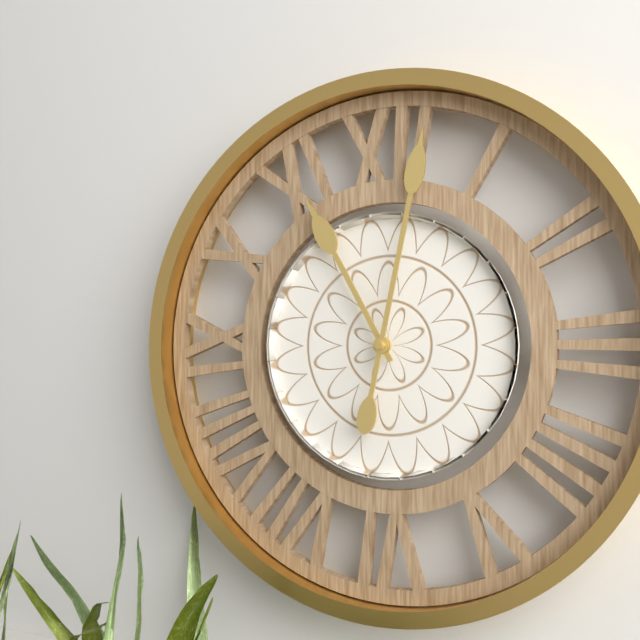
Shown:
**11:02**
